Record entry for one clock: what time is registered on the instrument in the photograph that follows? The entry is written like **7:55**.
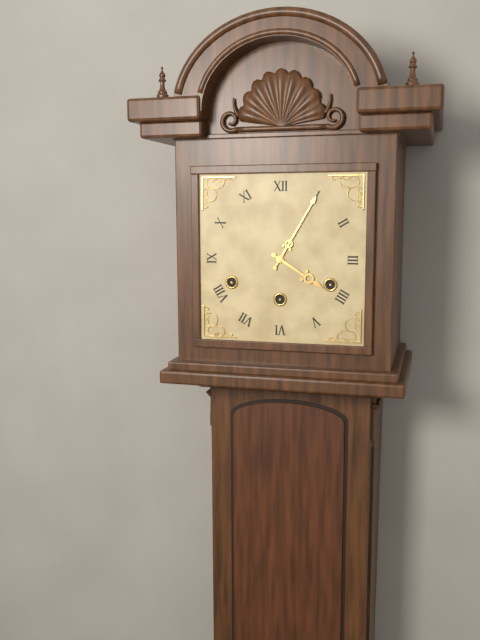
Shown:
**4:05**
